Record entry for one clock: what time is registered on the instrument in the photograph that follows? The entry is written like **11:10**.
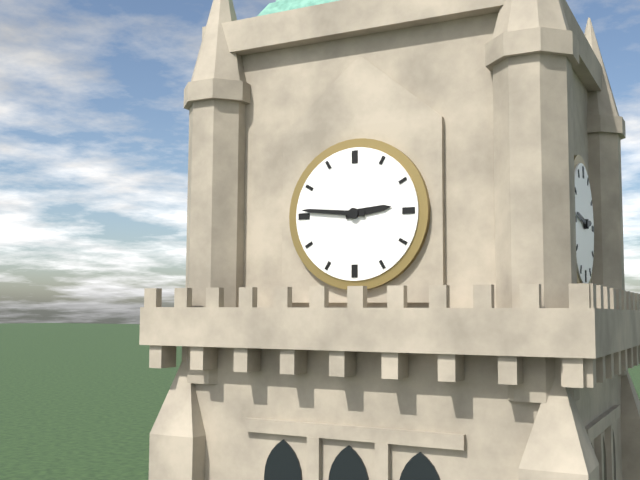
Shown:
**2:46**
